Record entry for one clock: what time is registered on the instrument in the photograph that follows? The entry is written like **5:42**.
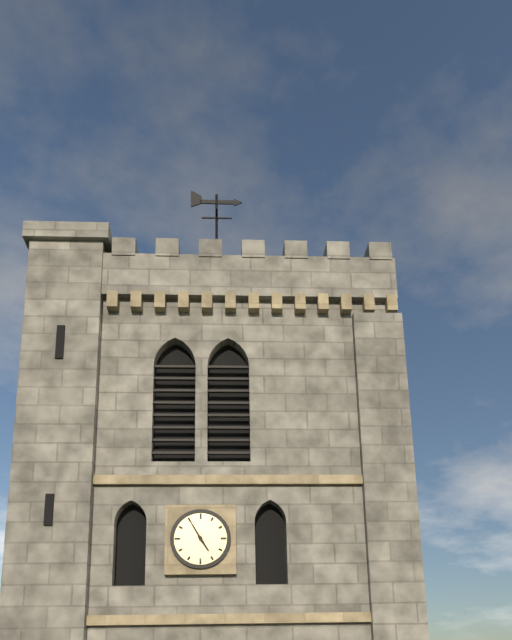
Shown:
**4:55**
